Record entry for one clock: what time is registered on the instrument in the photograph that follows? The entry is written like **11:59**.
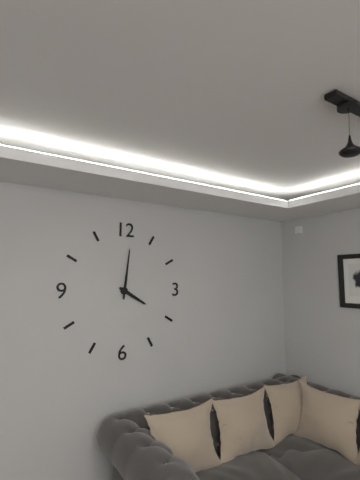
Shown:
**4:01**
